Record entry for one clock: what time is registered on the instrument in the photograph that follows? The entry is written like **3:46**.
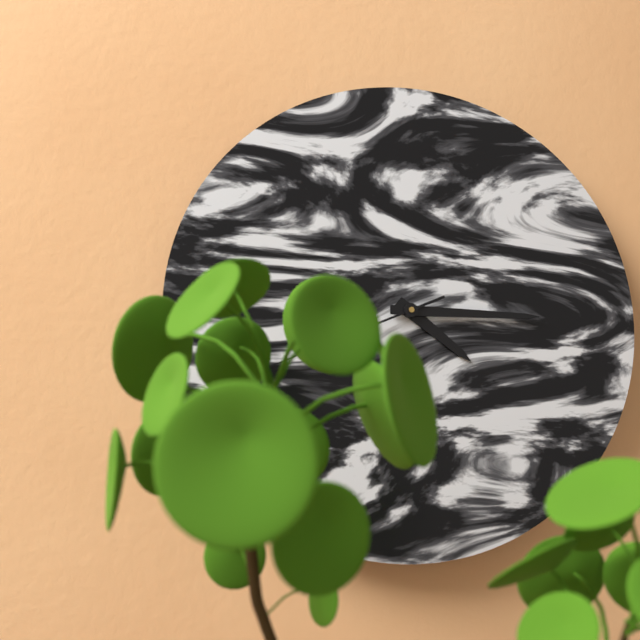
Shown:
**4:15**
